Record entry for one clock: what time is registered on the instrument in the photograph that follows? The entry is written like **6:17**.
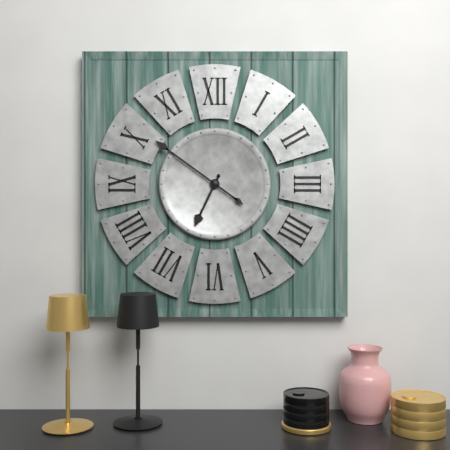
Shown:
**6:51**
